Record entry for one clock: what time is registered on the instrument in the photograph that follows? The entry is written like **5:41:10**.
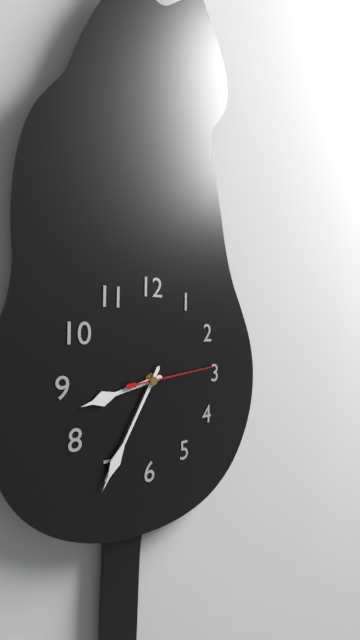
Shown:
**8:35:14**
